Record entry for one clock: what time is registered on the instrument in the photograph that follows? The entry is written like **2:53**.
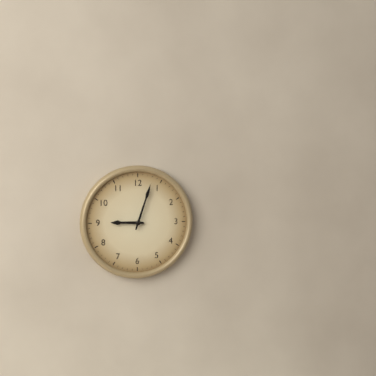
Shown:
**9:03**
